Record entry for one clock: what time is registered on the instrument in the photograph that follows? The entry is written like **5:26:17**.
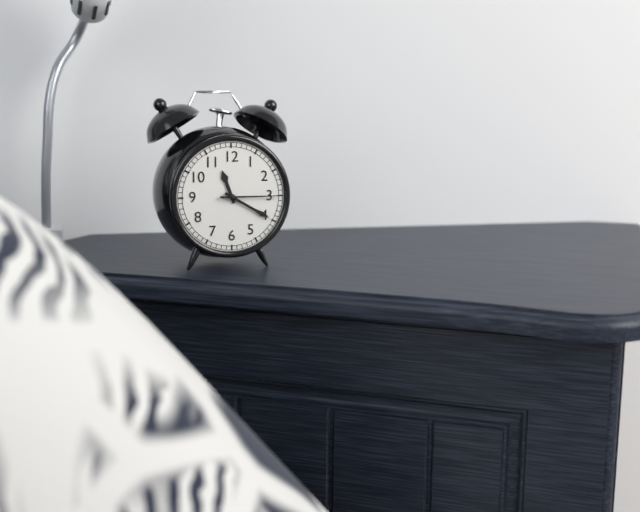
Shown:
**11:20:15**
